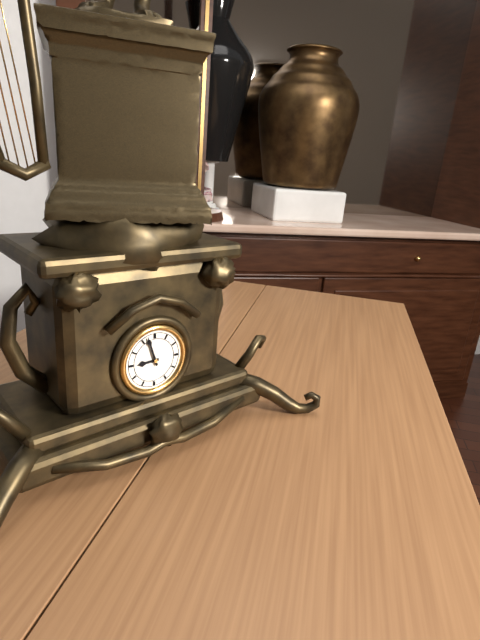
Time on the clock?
8:57
